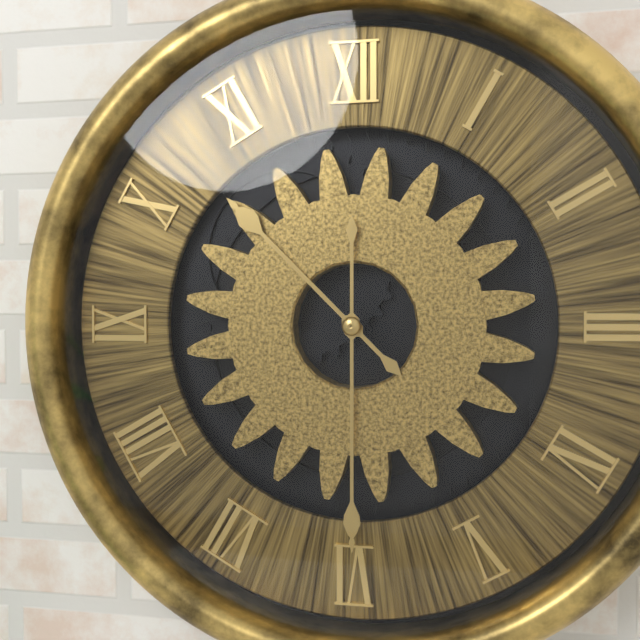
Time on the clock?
10:30
